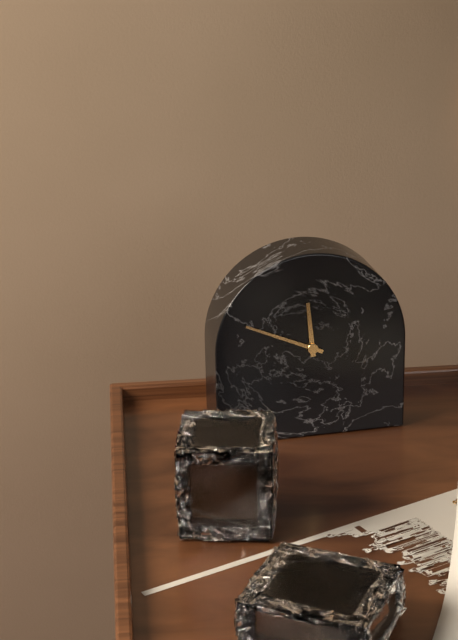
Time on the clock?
11:49
